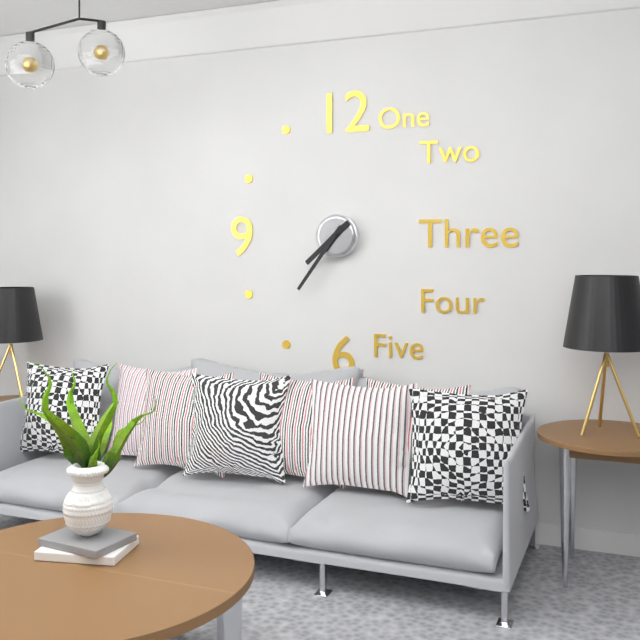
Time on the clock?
7:36
